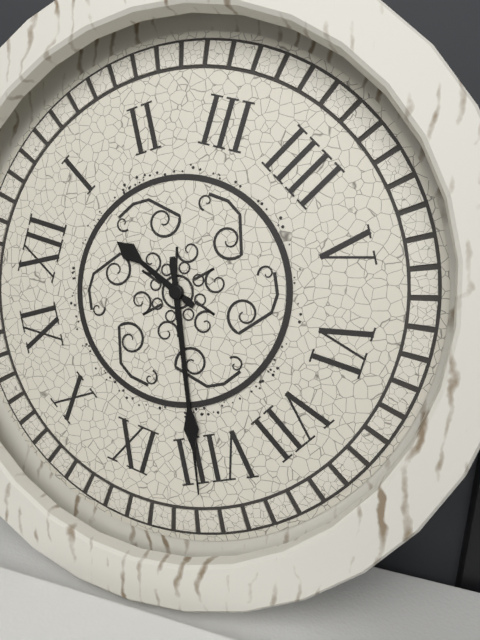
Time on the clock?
12:41
